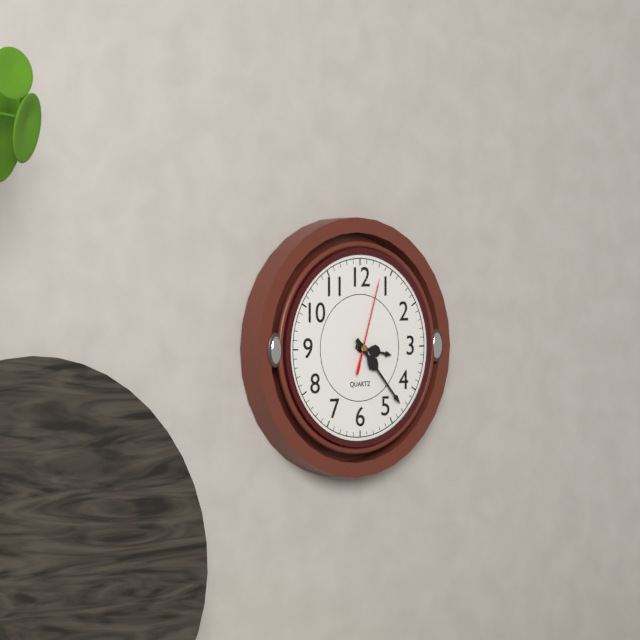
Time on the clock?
3:23:03
